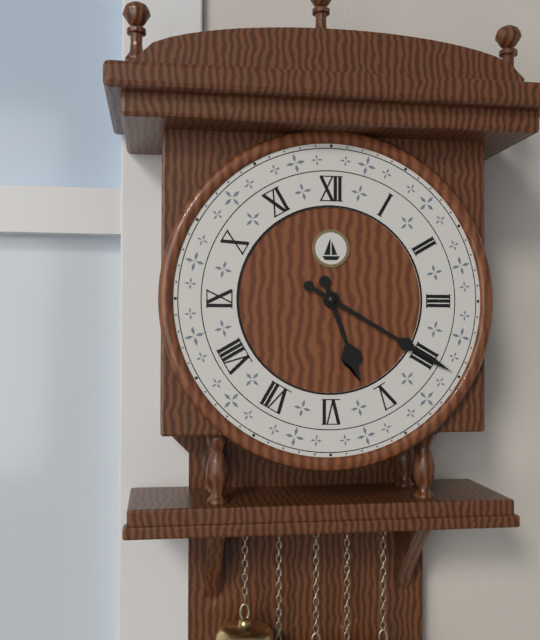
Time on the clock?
5:20
